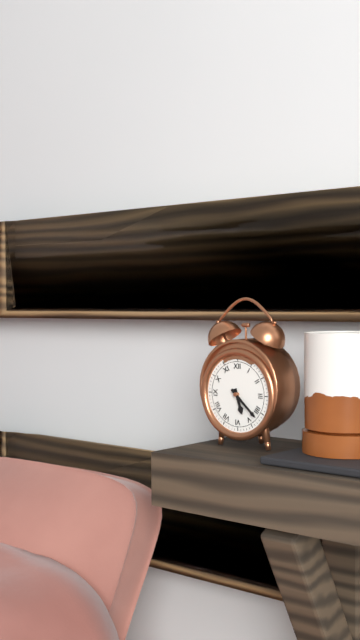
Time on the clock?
5:22
